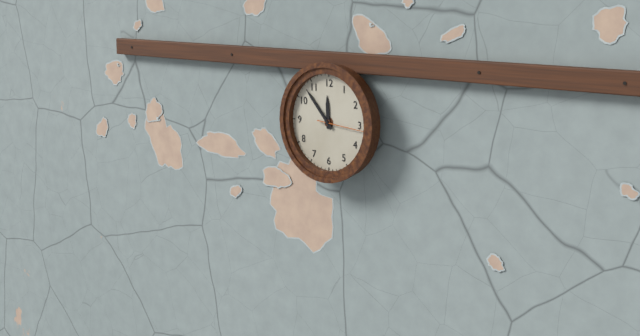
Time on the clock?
11:53
